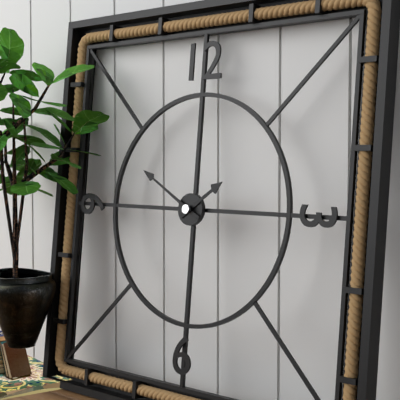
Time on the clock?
1:50
